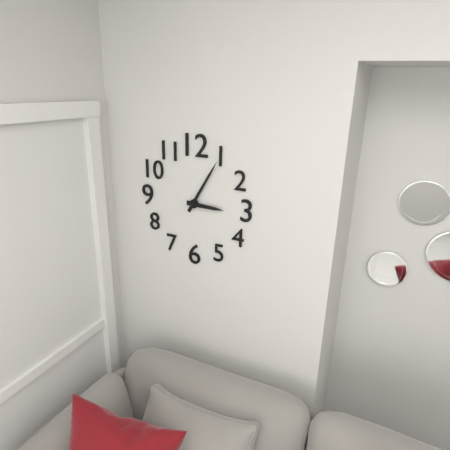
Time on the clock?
3:05
